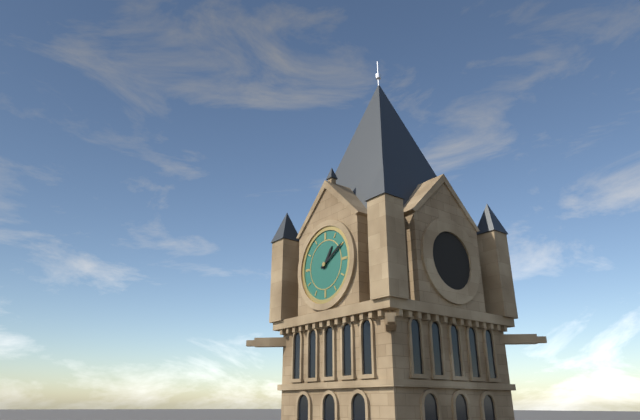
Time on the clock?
1:10
